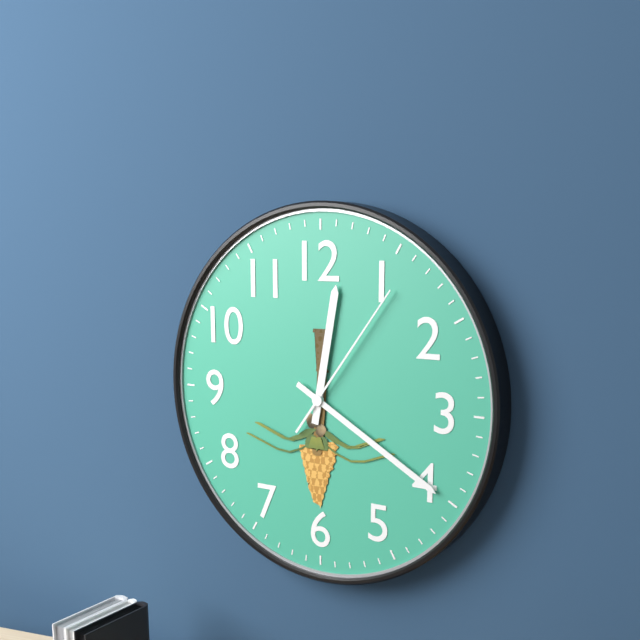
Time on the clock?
12:20:06
